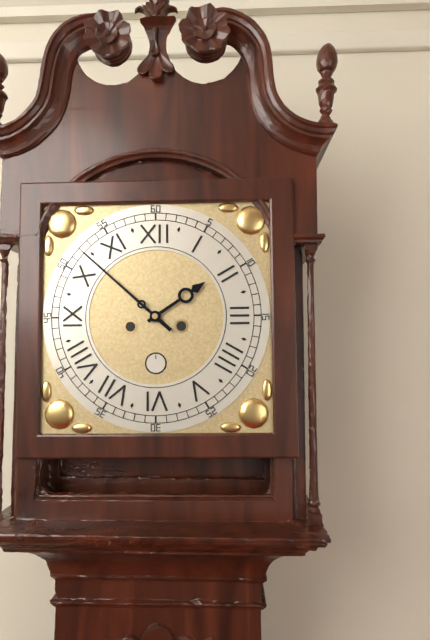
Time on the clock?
1:52
